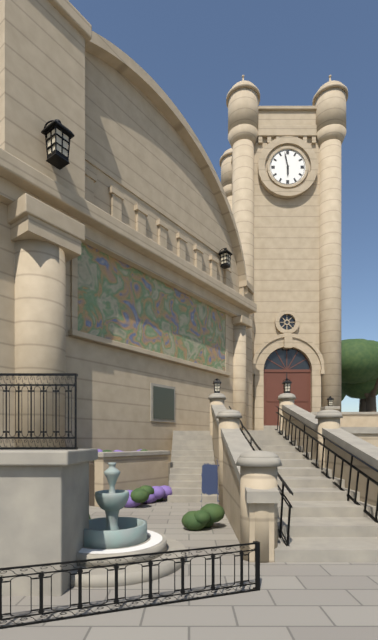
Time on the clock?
5:58
